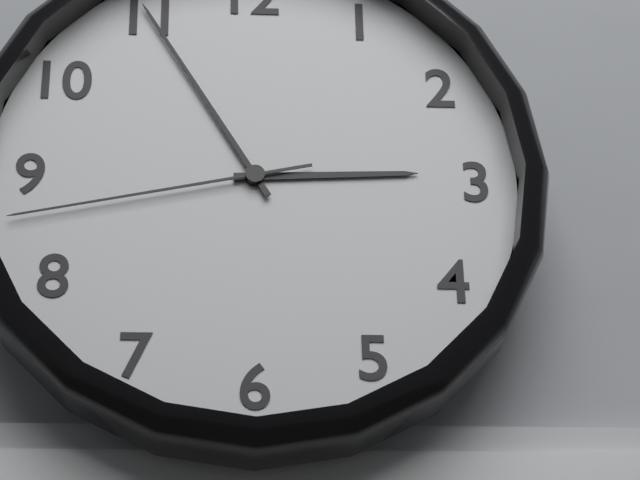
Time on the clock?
2:55:43
